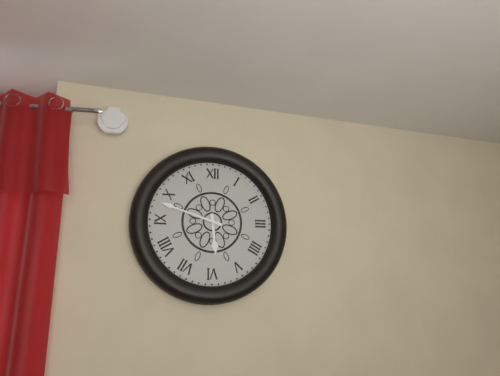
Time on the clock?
5:48
